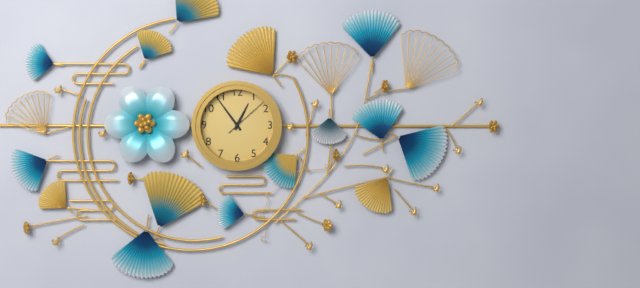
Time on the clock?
12:54
